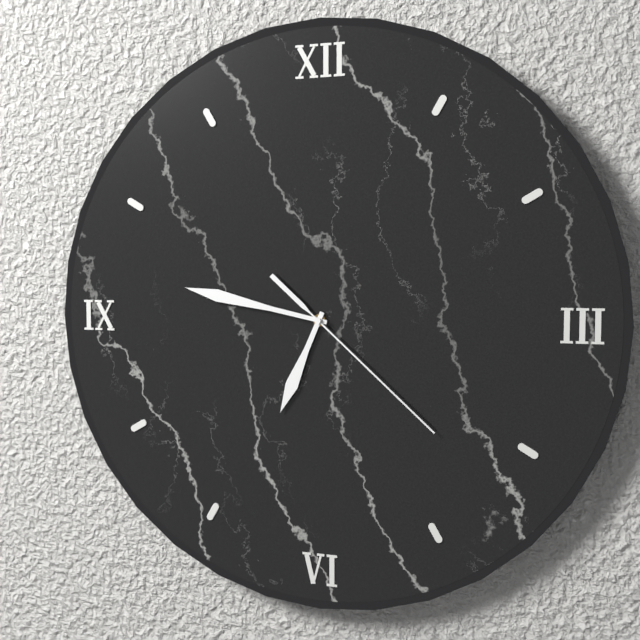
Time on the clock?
6:47:22
